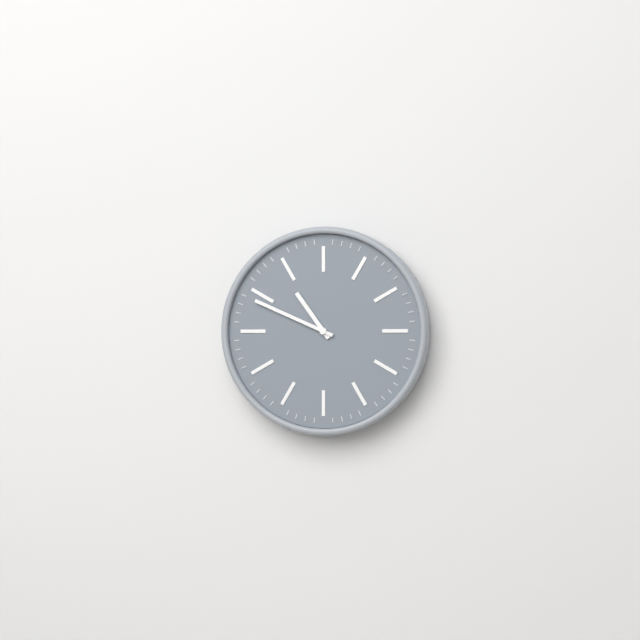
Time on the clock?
10:49
